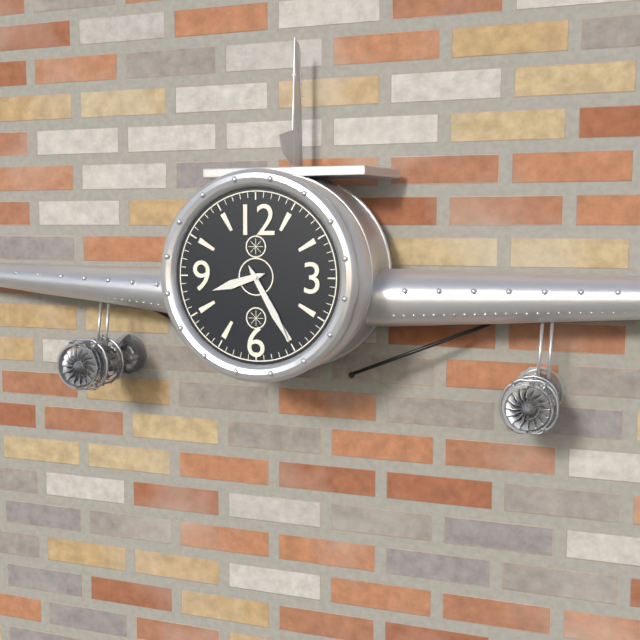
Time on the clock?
8:25
